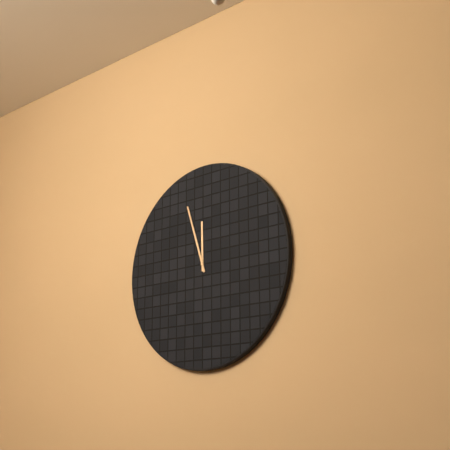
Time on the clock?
11:57
